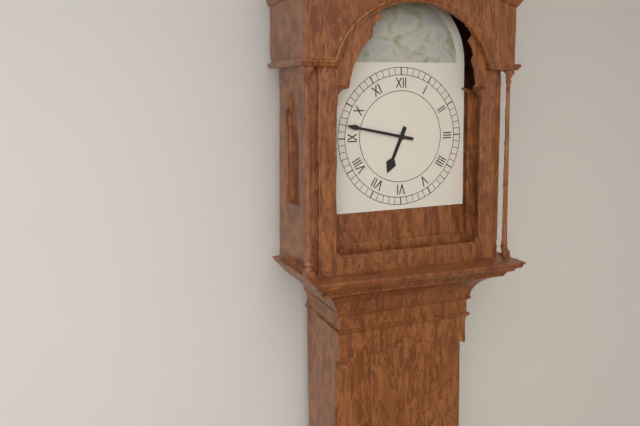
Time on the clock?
6:47
